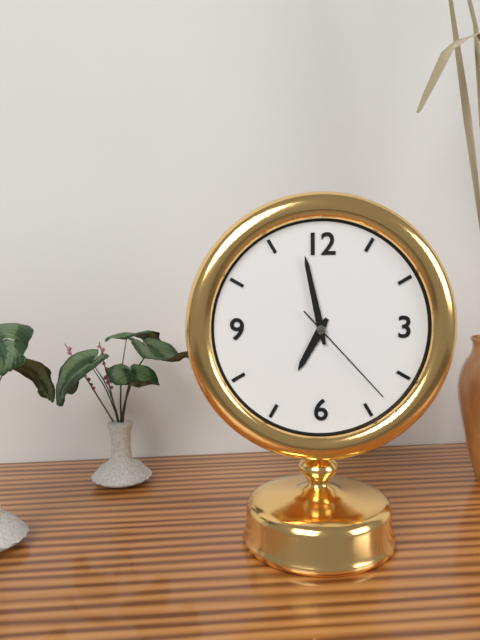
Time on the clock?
6:58:23
